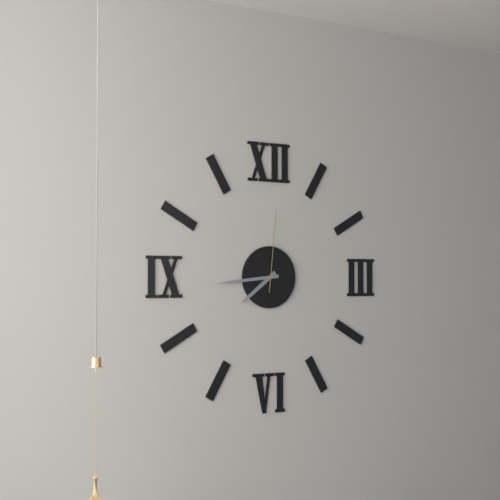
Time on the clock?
7:44:01
